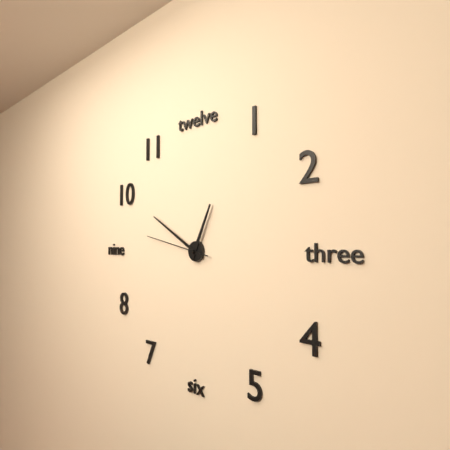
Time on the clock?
12:50:47
